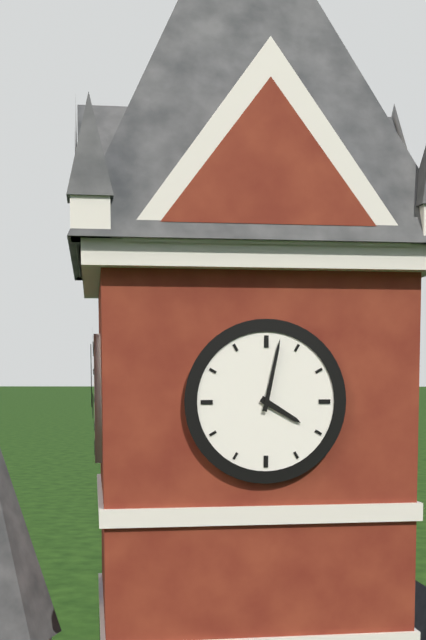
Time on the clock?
4:02
